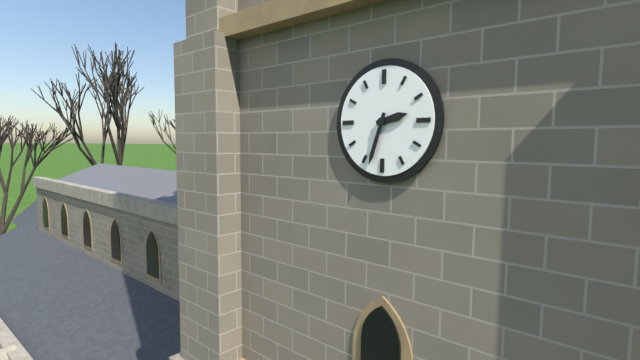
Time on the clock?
2:33
